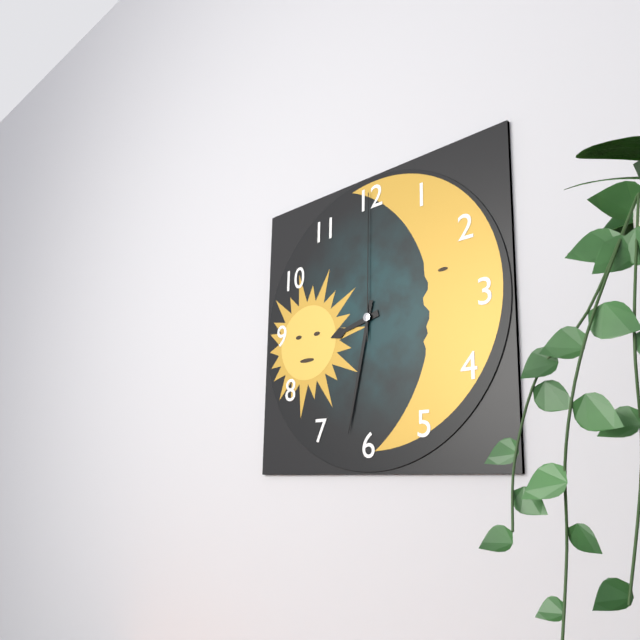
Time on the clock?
8:32:00
